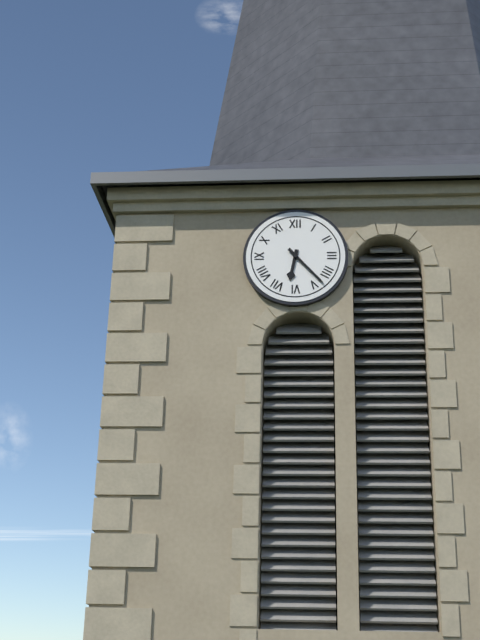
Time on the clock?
6:23
